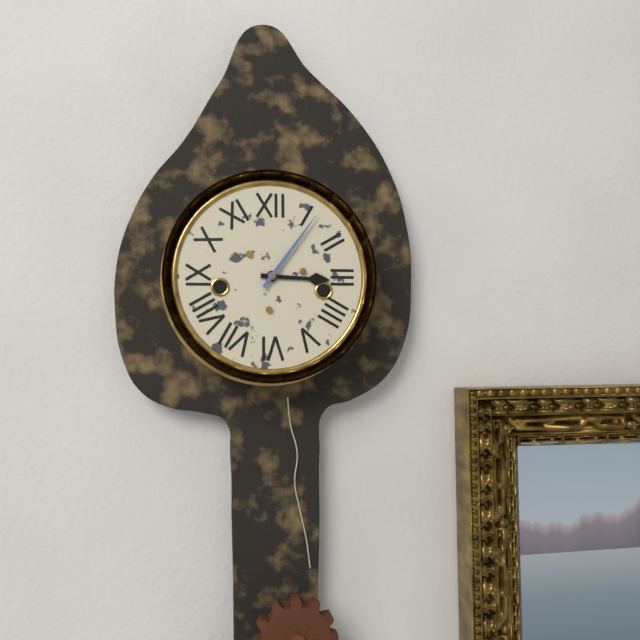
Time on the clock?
3:06
